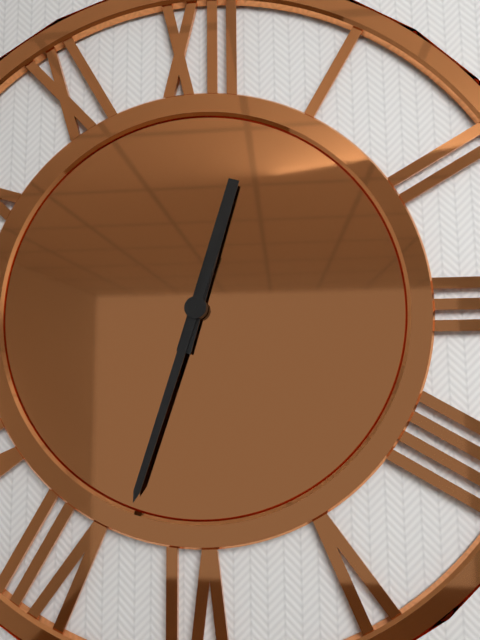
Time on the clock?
12:33
